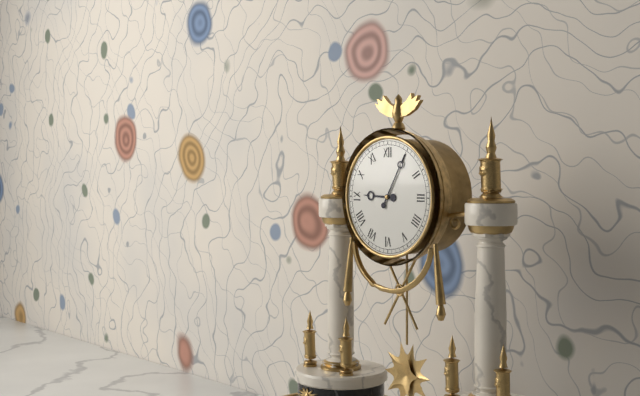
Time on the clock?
9:05
